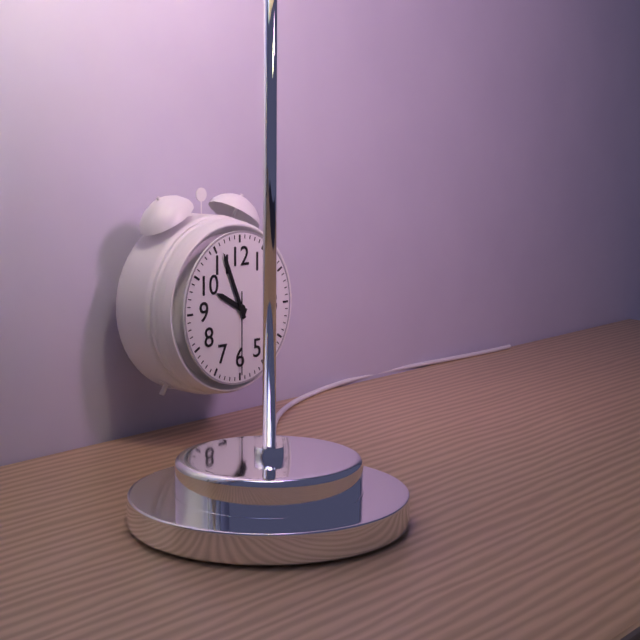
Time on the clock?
9:56:30
